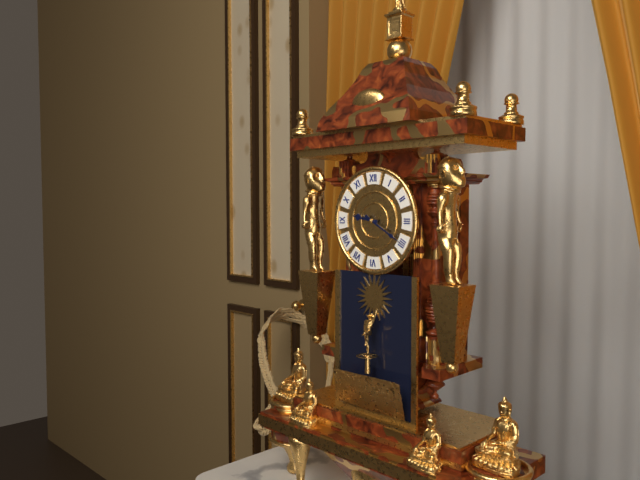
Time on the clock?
9:20
